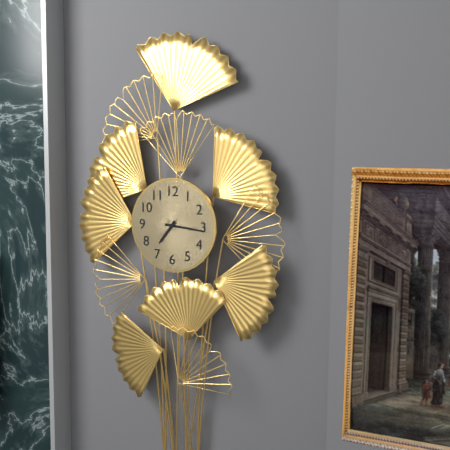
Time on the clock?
7:16
